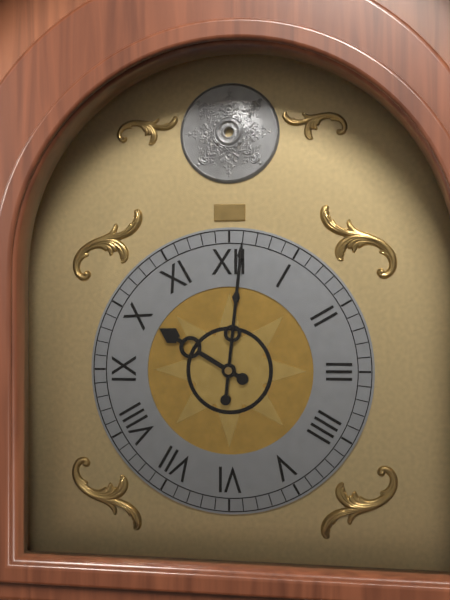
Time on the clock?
10:01
